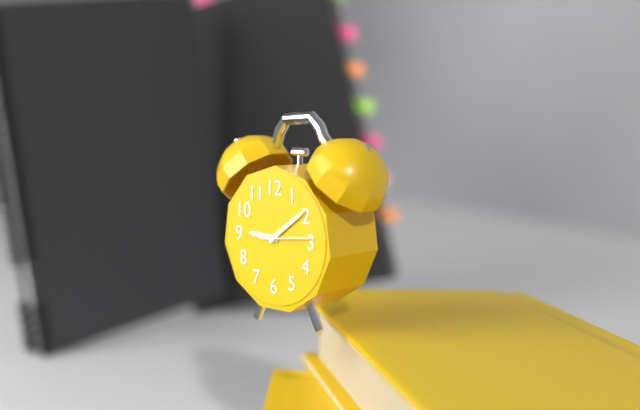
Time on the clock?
9:09:14
